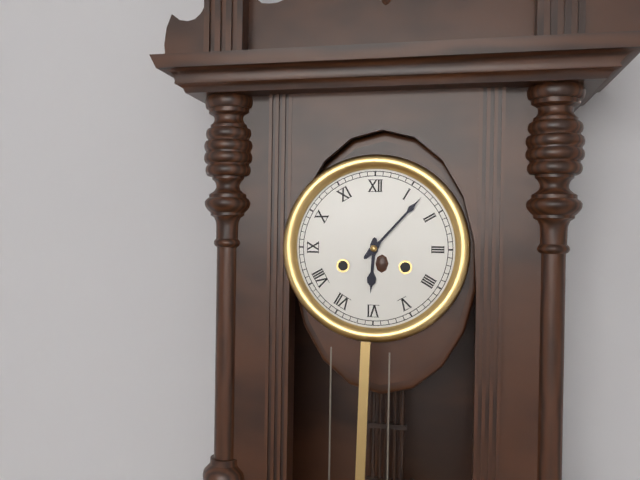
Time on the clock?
6:07
